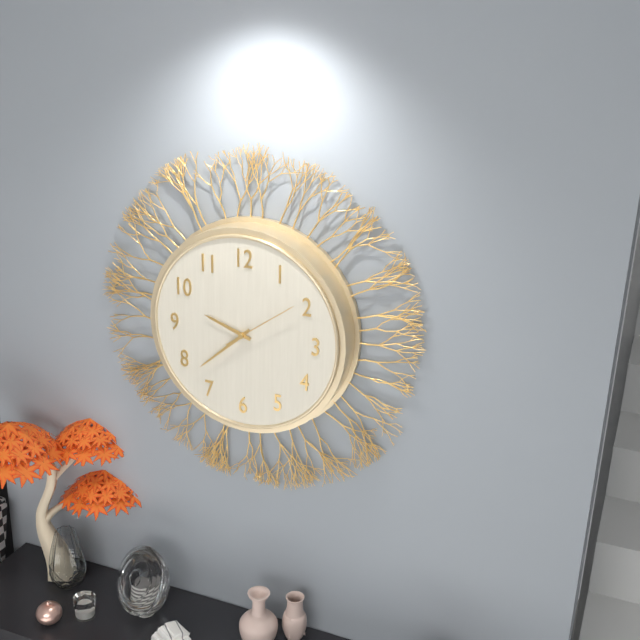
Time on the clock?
9:38:09
